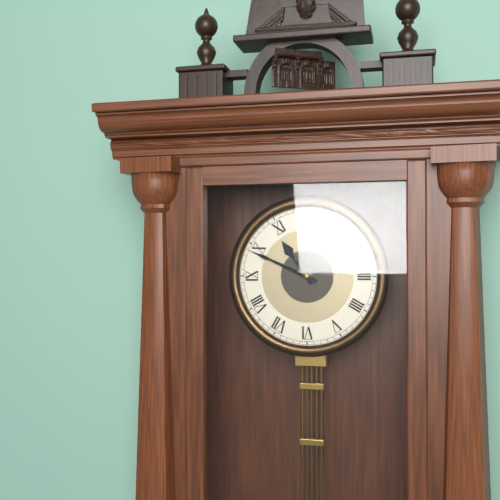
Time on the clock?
10:49
